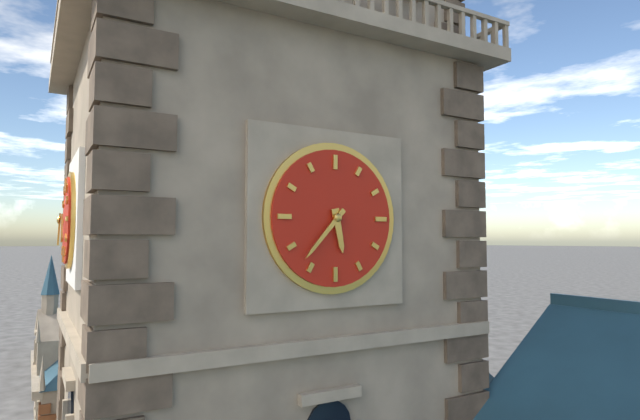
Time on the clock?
5:37
